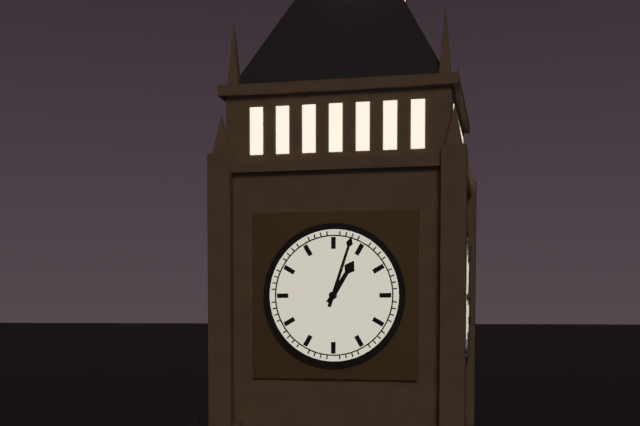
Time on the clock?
1:03
